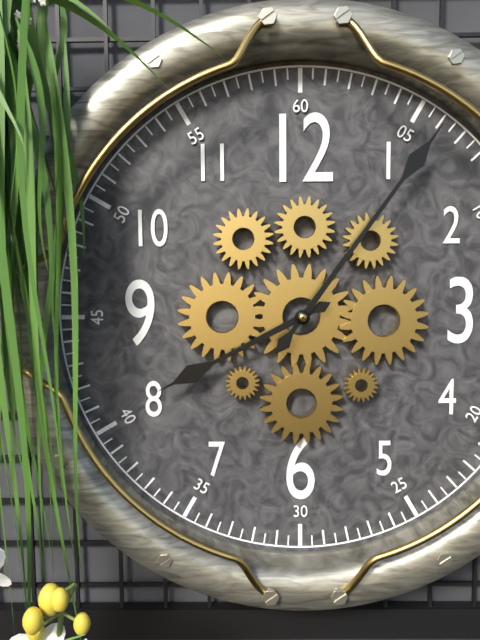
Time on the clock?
8:06
